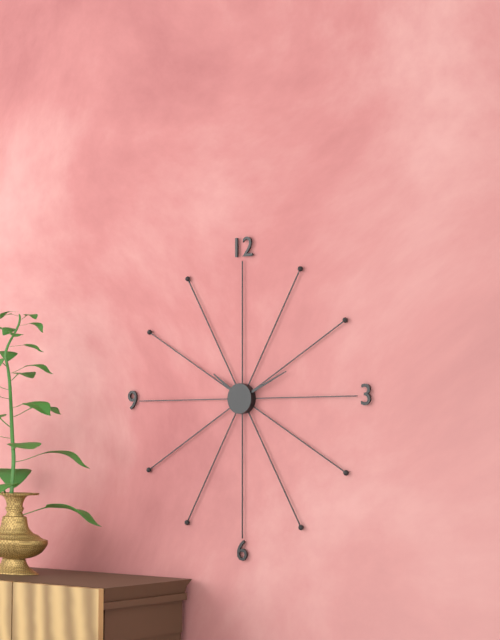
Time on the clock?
10:11
